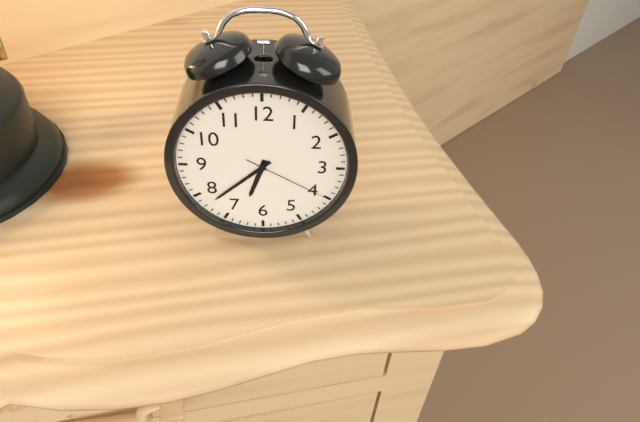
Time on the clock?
6:38:20
